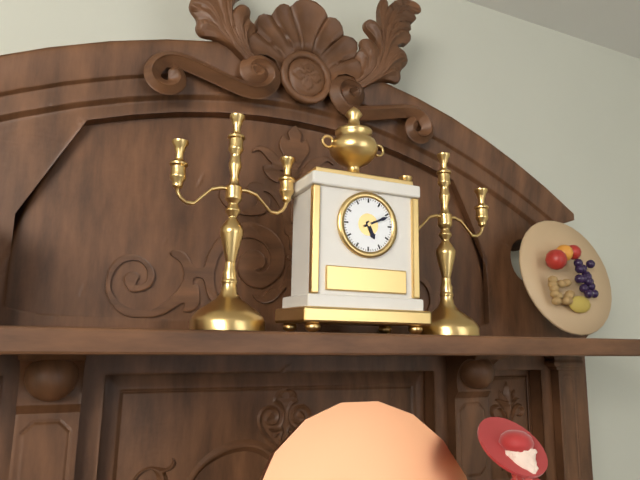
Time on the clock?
5:11
